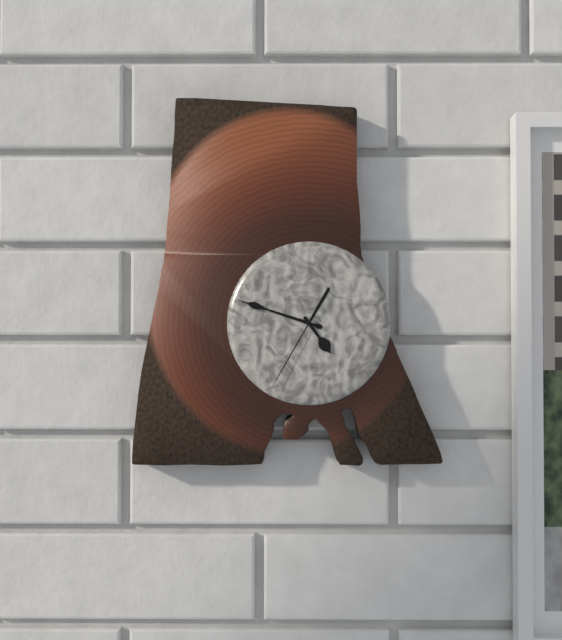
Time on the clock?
4:48:35
